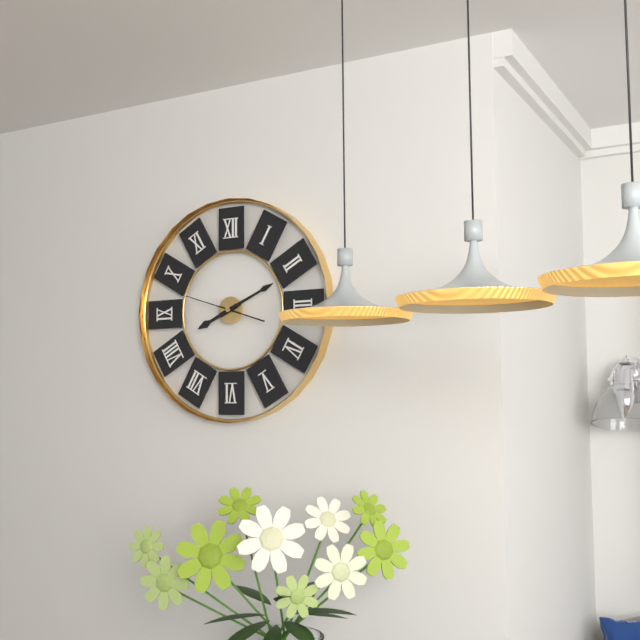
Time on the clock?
8:11:48
